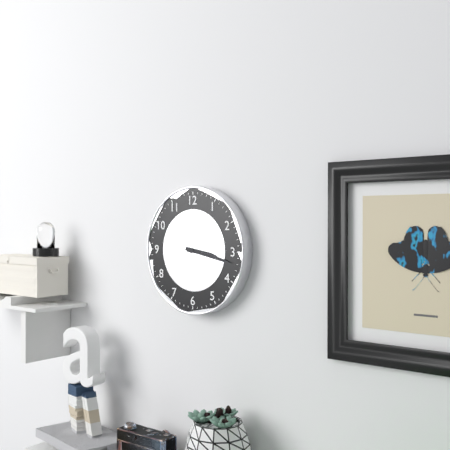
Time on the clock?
3:17
